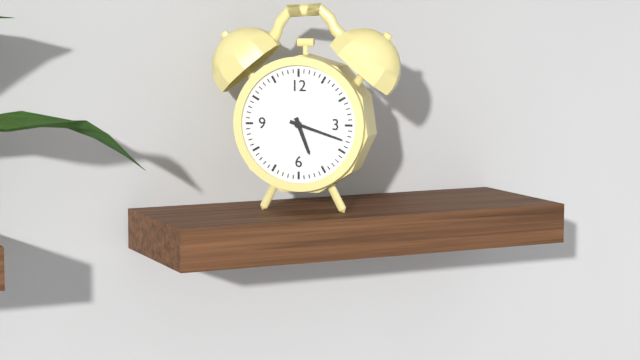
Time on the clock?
5:18
